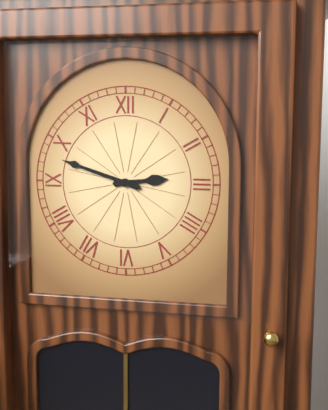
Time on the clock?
2:48
